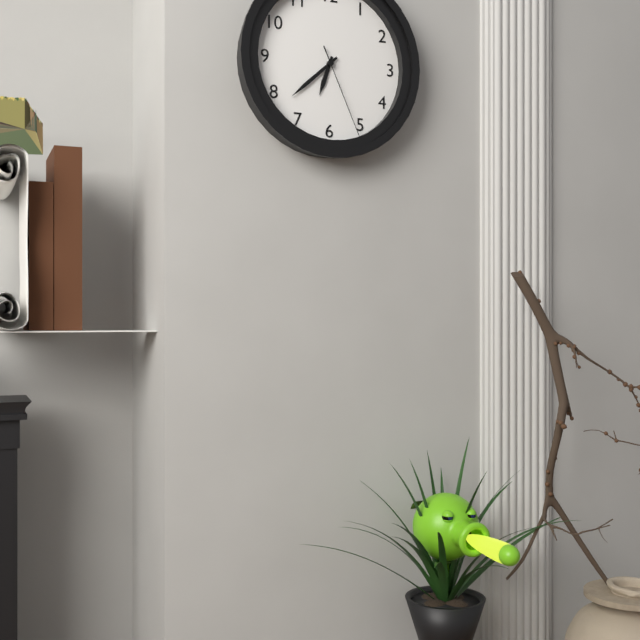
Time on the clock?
6:38:26
